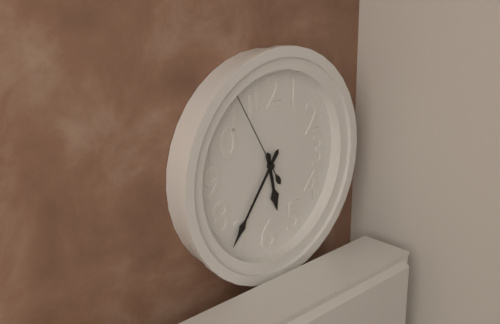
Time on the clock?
5:36:55
